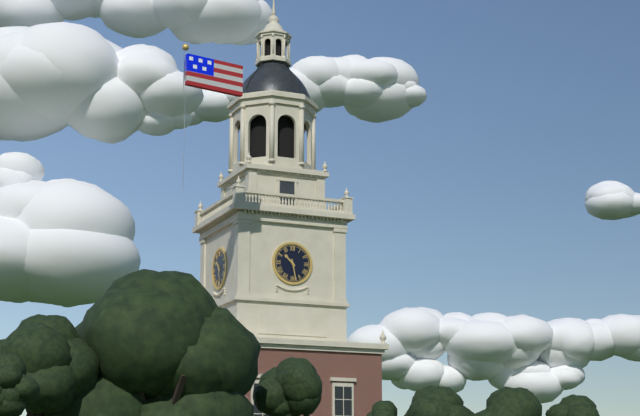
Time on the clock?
10:28
